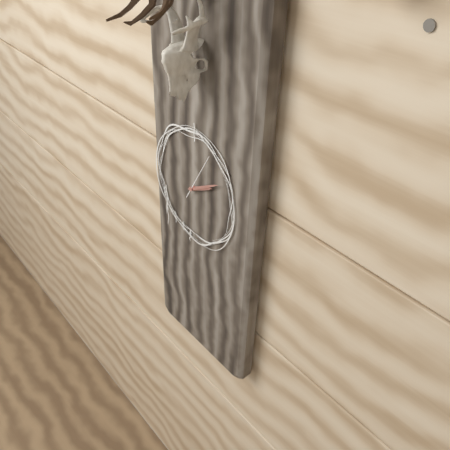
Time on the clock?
2:10
